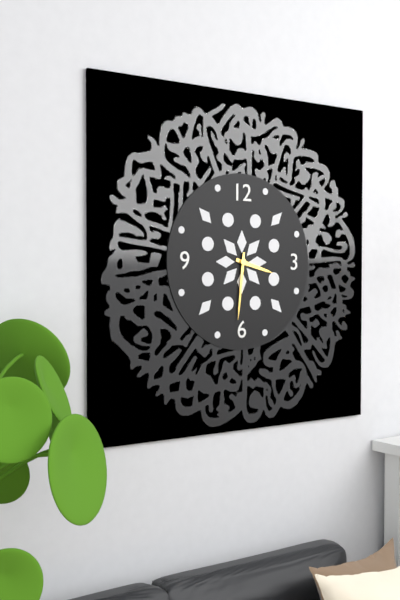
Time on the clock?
3:31
